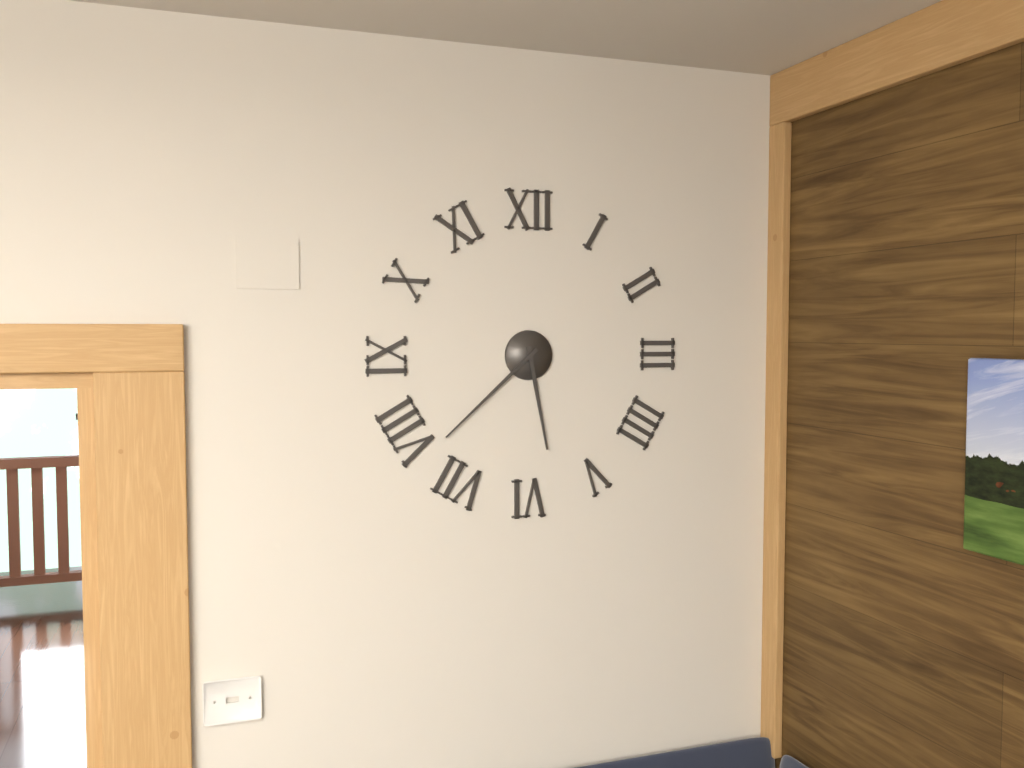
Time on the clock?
5:38
